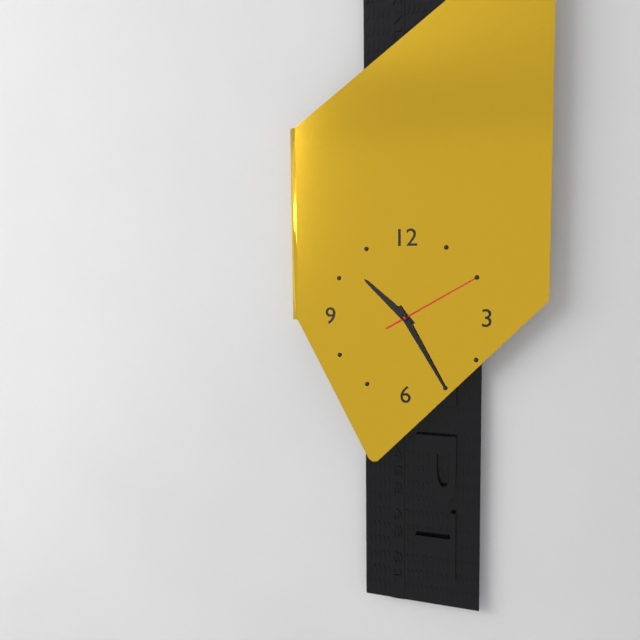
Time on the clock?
10:25:10
